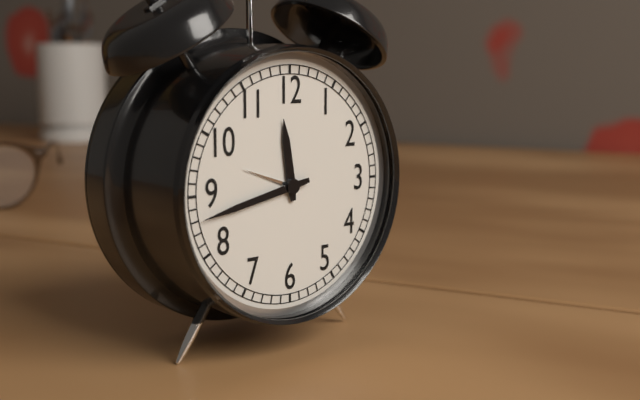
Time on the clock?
11:43
